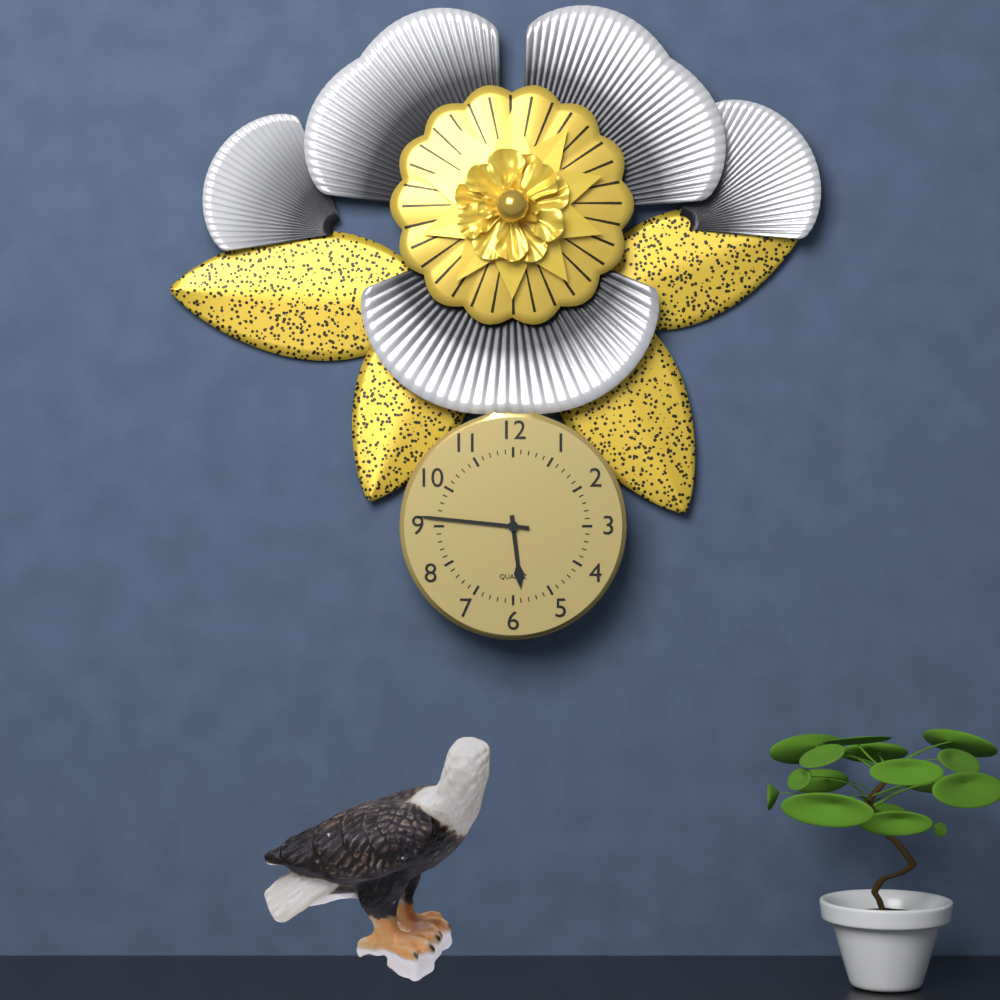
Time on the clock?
5:46
